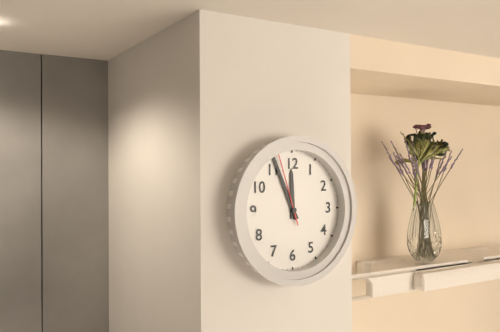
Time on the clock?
11:56:57
